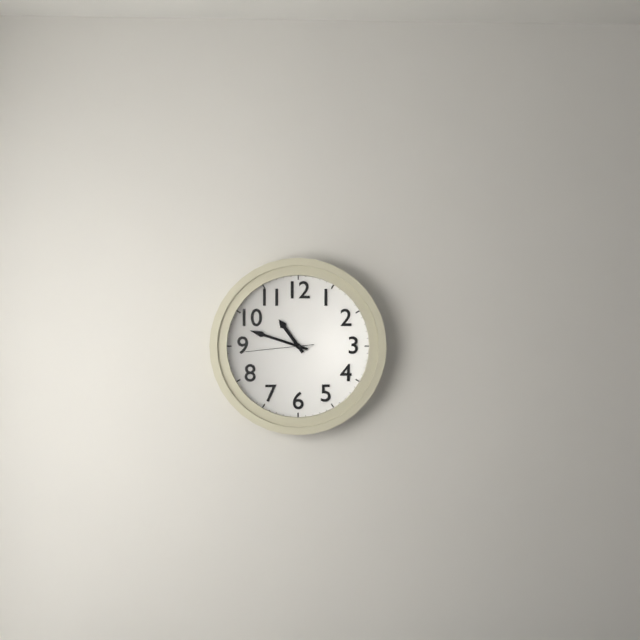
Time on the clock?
10:48:44
